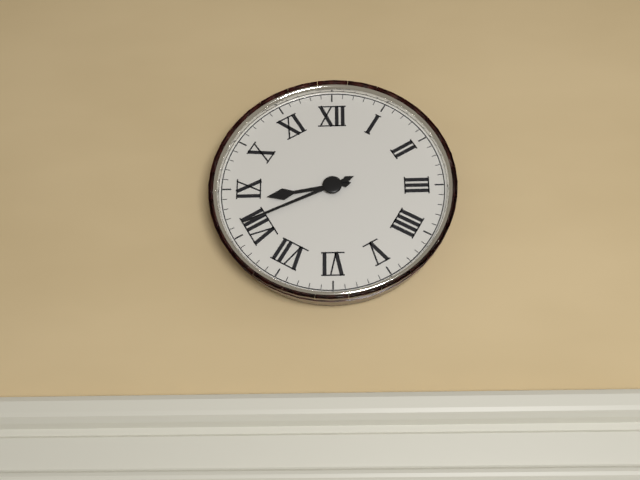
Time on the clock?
8:41
